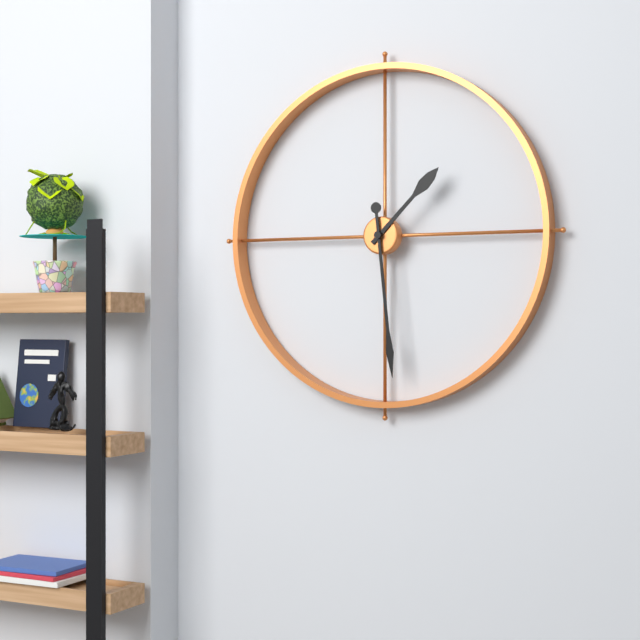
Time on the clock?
1:29
